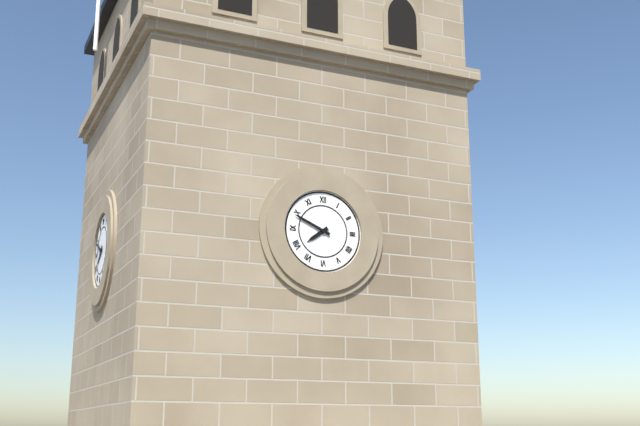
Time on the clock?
7:49
